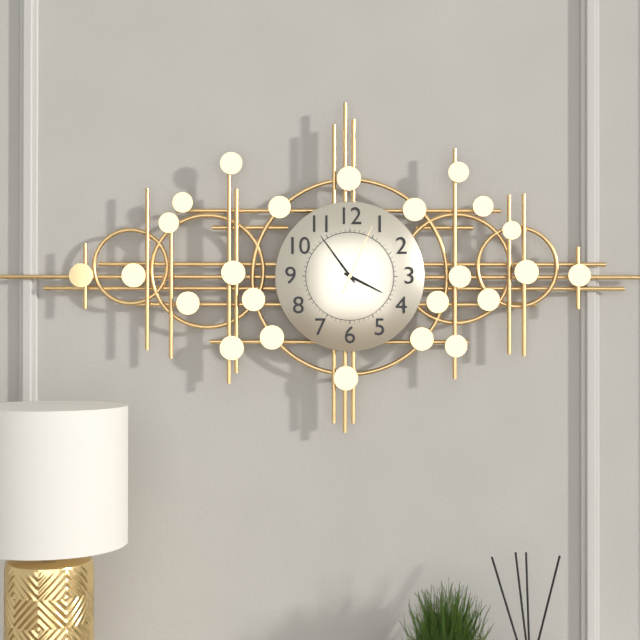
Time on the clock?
3:54:04
